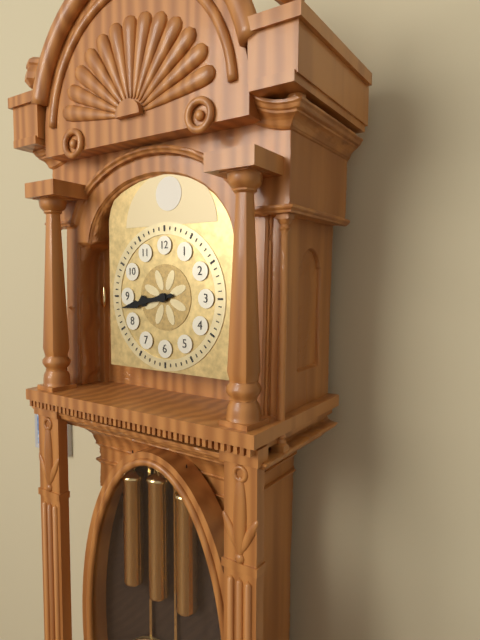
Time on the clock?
8:43
